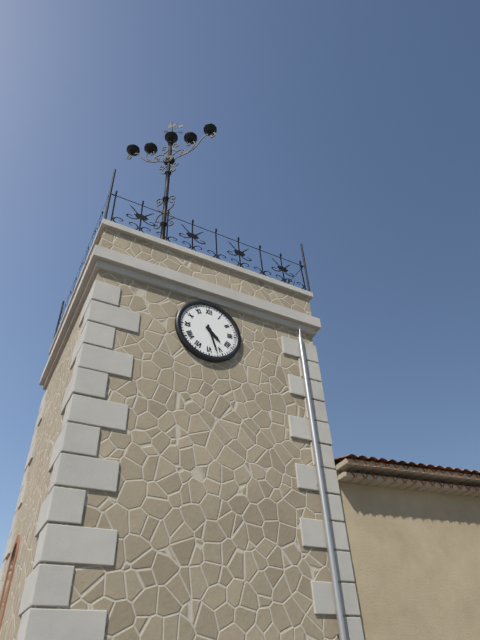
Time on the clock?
4:27
